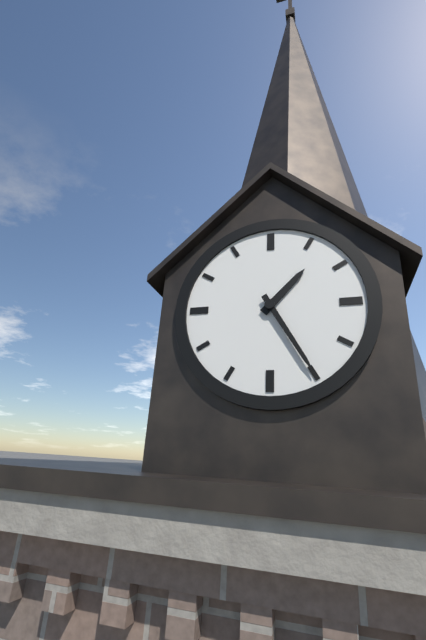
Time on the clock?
1:25
